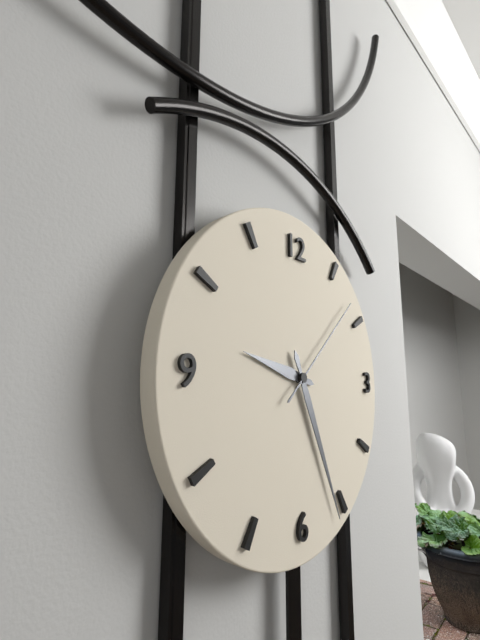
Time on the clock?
9:26:08
